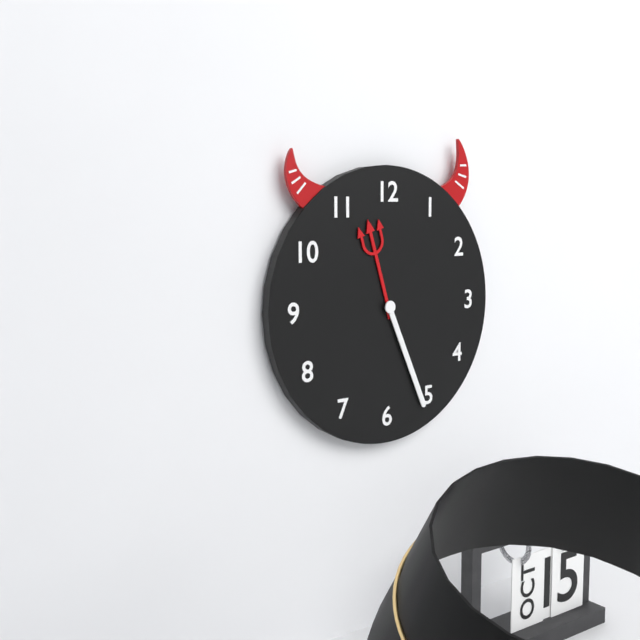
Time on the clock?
11:26
